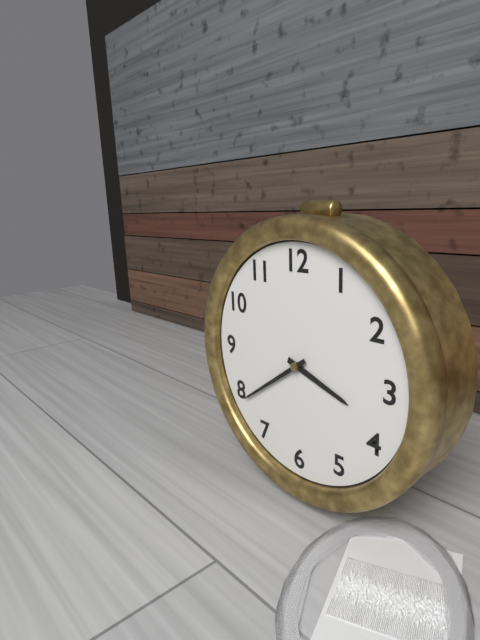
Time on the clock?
3:39
